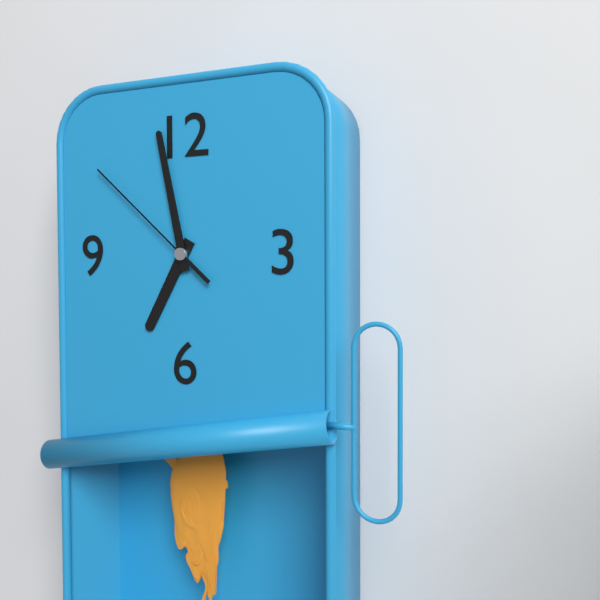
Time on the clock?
6:58:52
